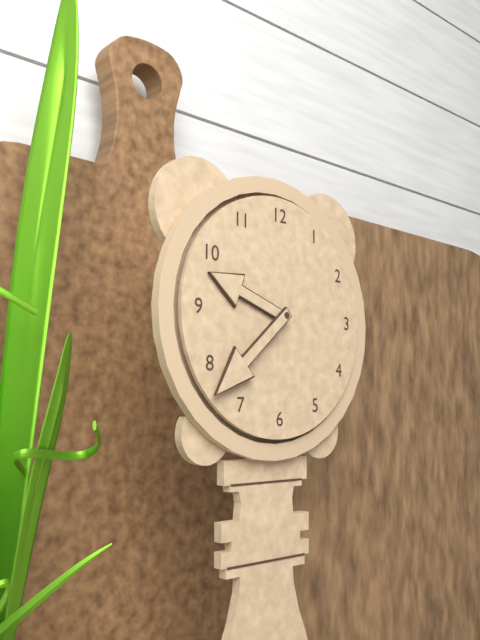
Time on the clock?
9:38
